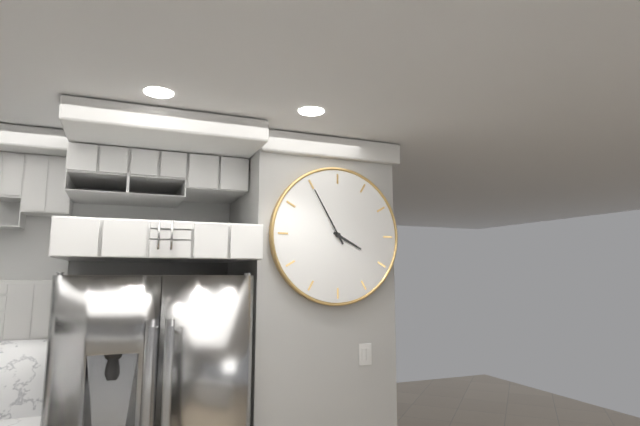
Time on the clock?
3:55
